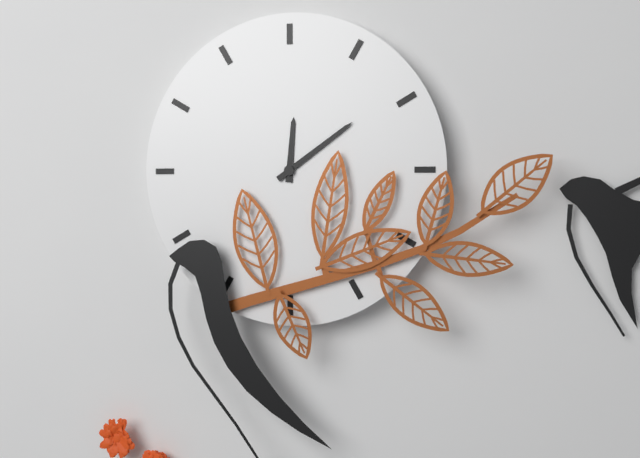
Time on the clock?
12:09
